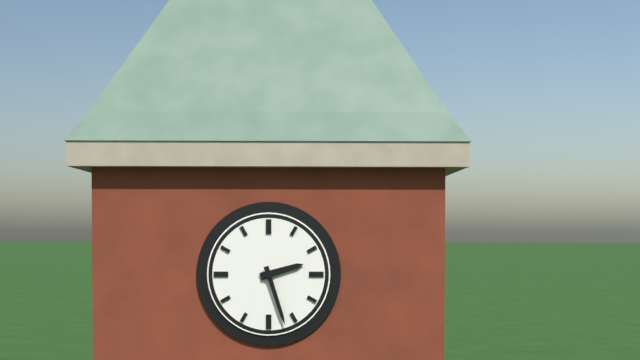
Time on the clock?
2:27
